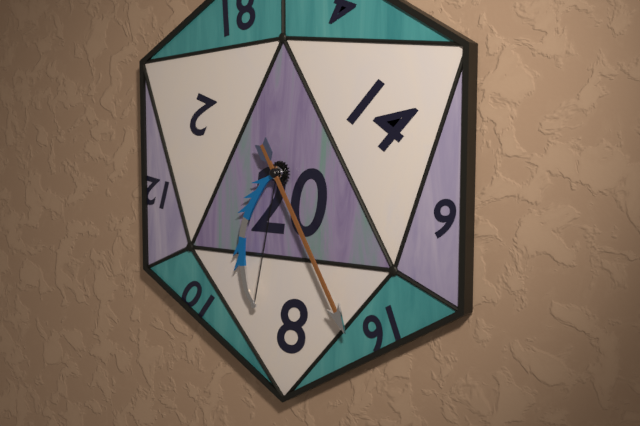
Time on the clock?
6:25
